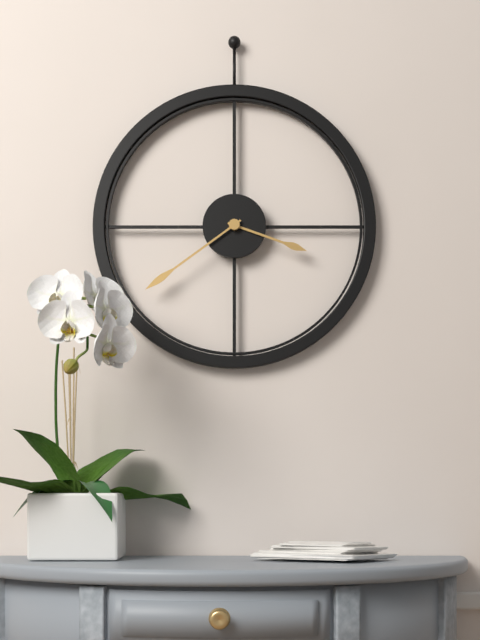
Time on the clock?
3:39
